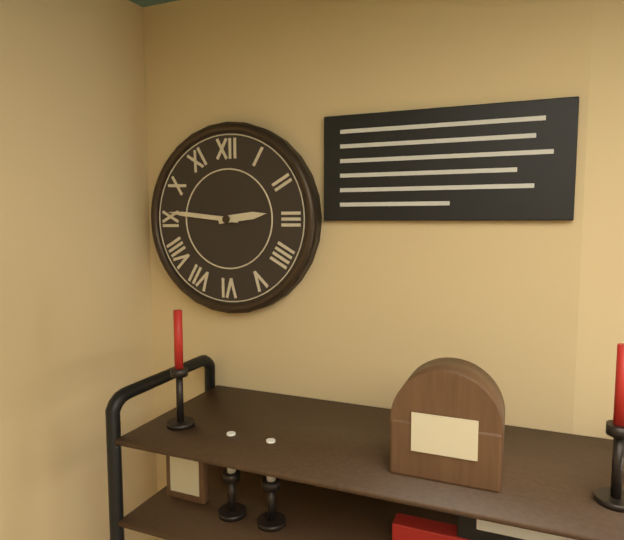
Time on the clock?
2:46
